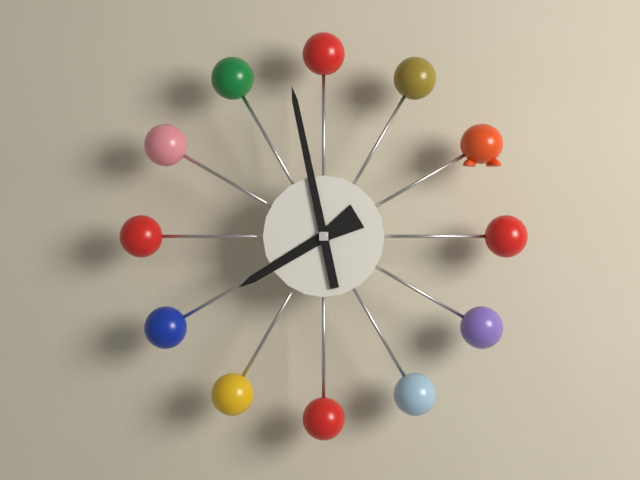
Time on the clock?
7:58
